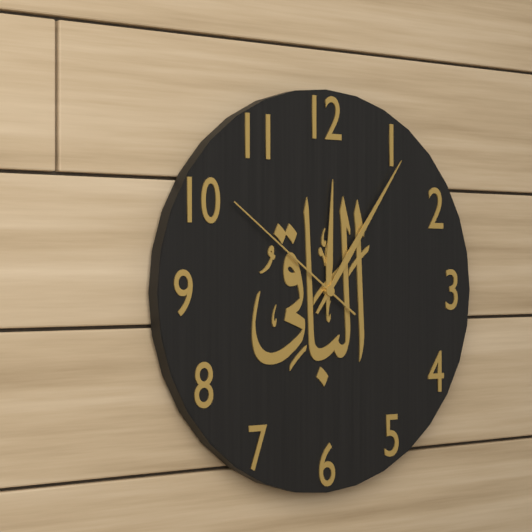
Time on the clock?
12:06:51
